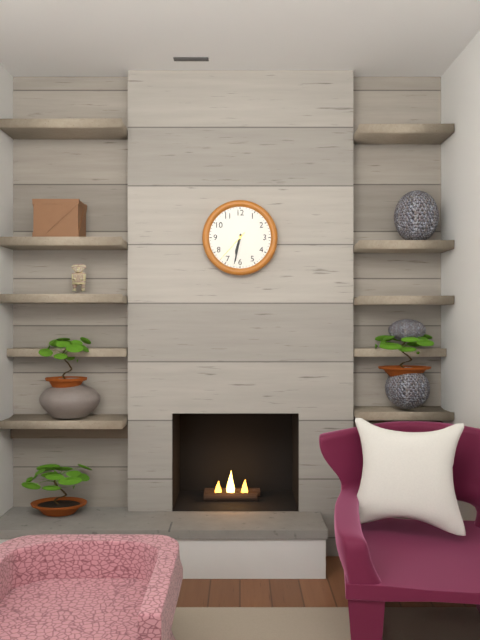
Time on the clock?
6:32
